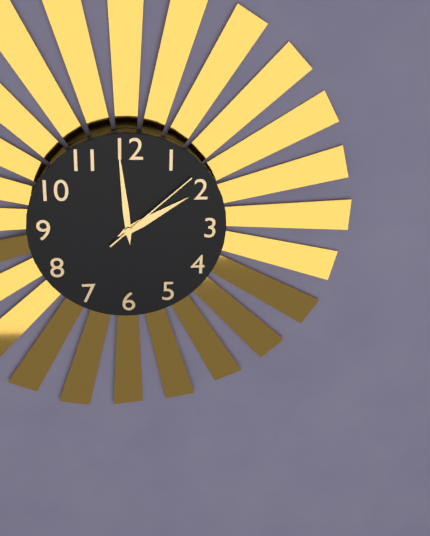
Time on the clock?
1:59:08
